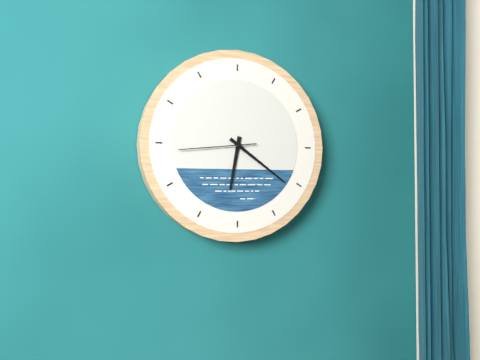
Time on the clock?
6:21:44
